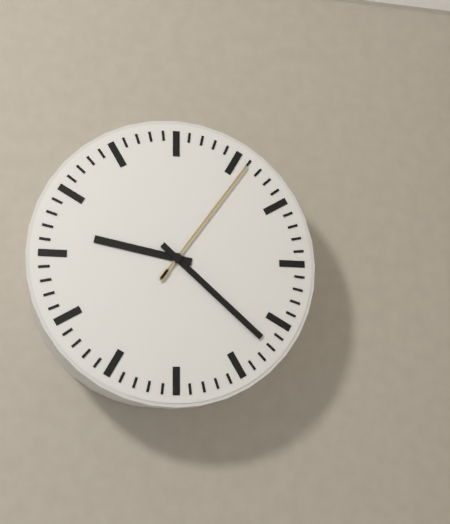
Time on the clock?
9:22:06
